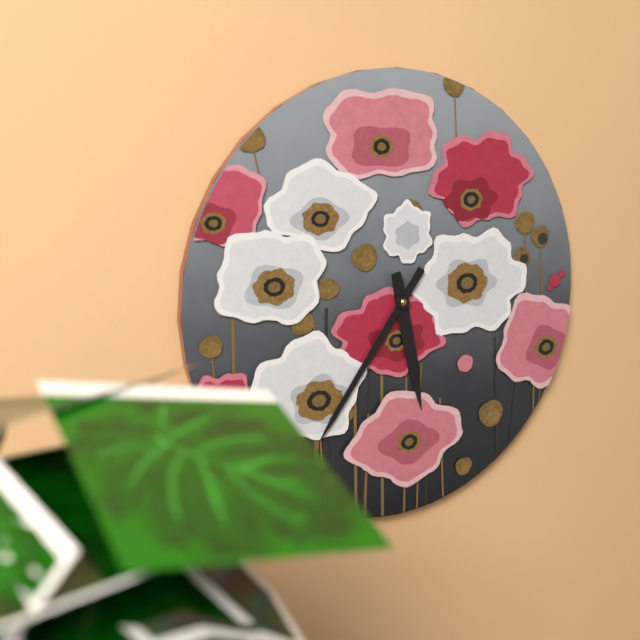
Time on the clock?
5:36
